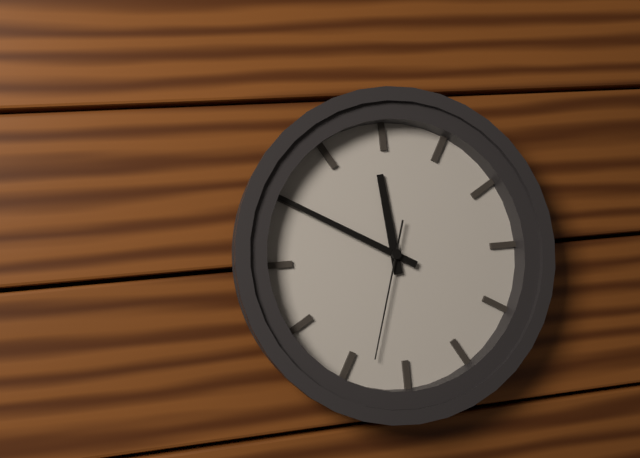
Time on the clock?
11:50:33
